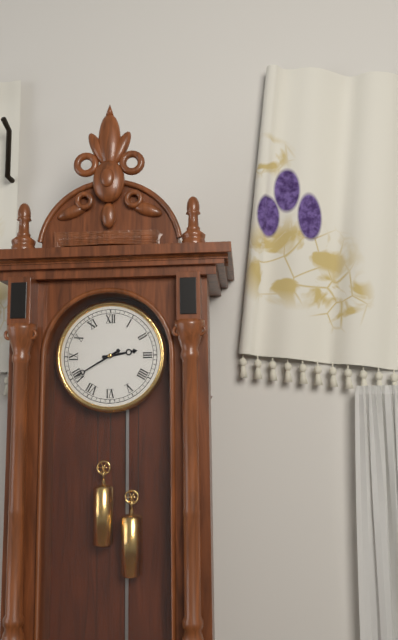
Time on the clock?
2:40
